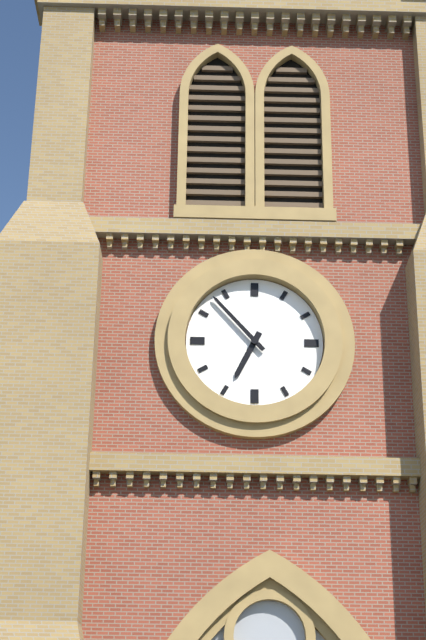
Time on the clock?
6:53
